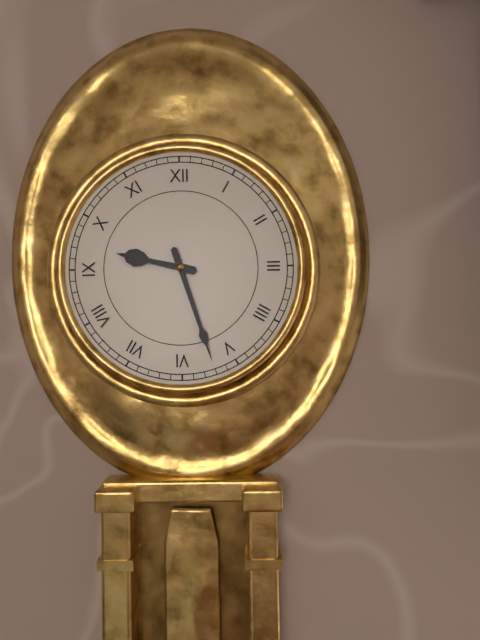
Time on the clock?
9:27
